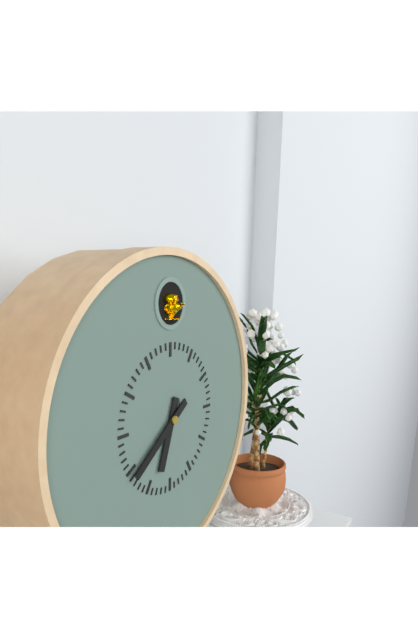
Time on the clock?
6:39
